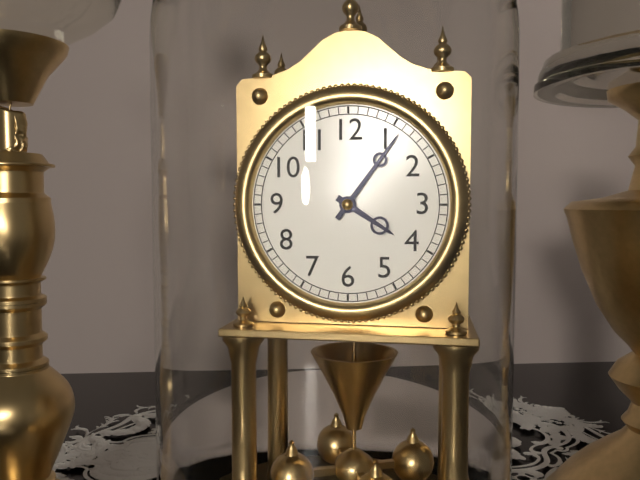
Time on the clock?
4:06
